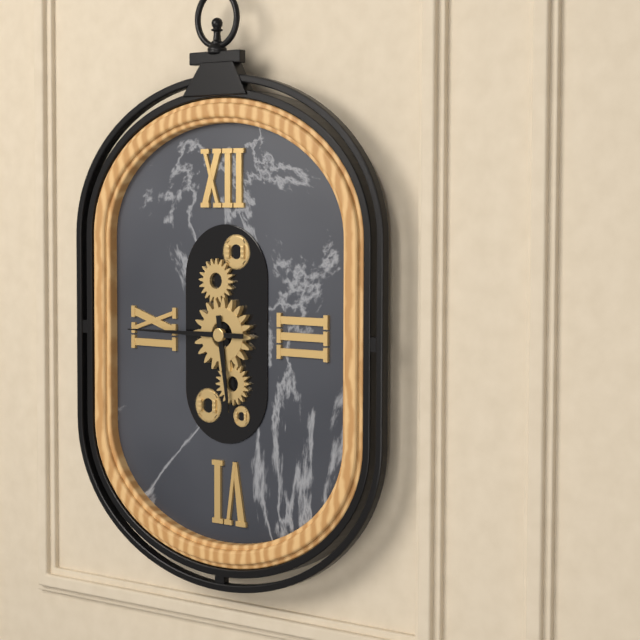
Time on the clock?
5:45
